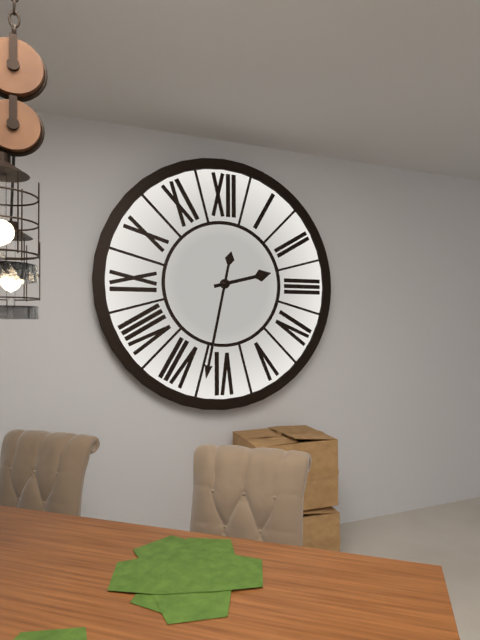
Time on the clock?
2:32
